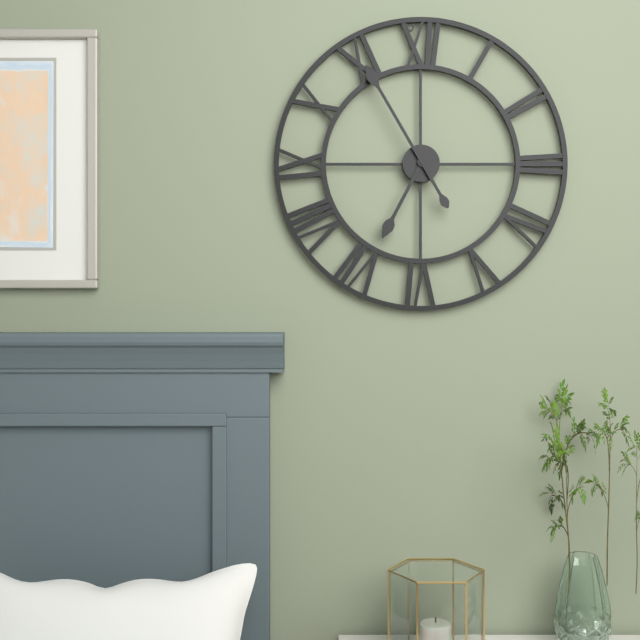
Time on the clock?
6:55
